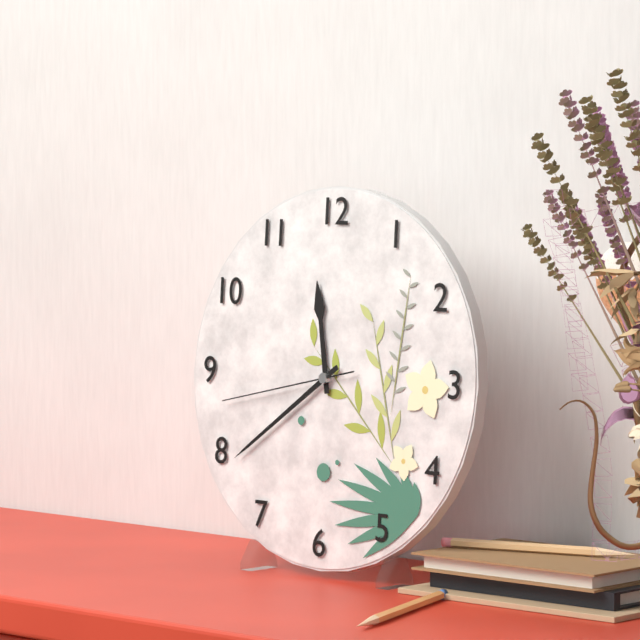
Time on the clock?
11:39:43
